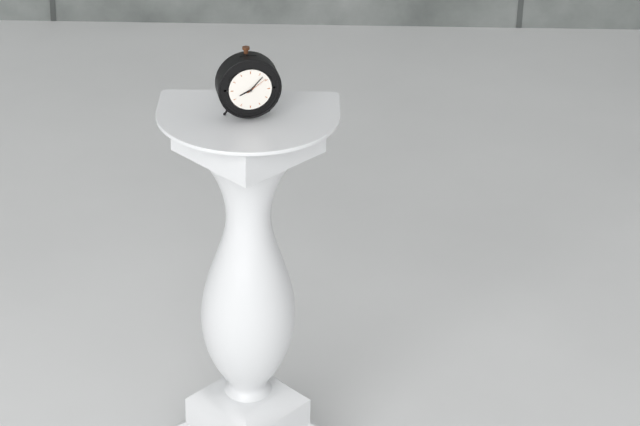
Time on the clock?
8:07
